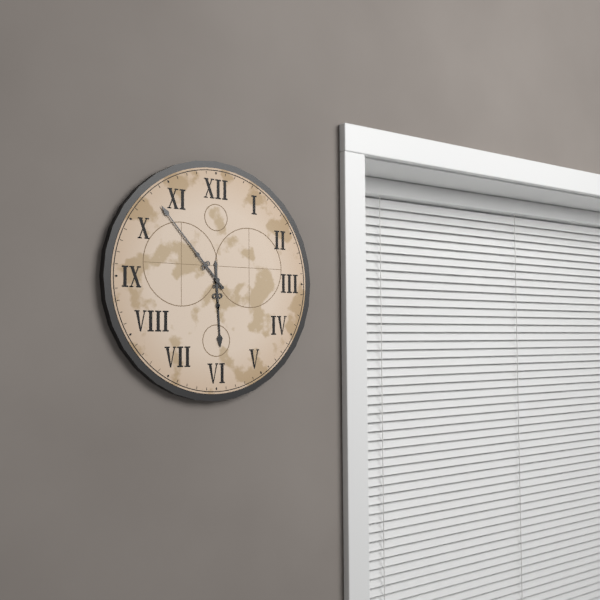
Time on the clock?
5:53
